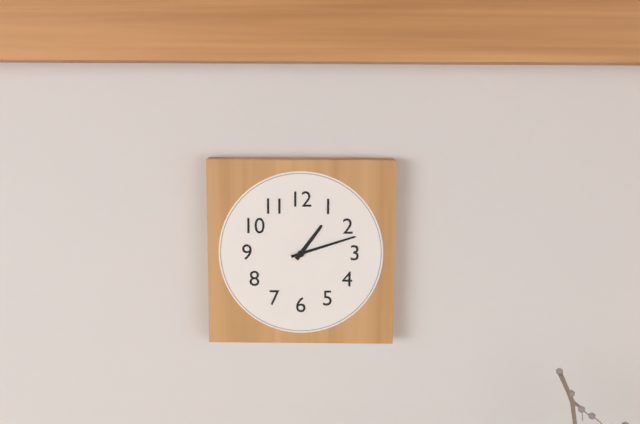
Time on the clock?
1:12
